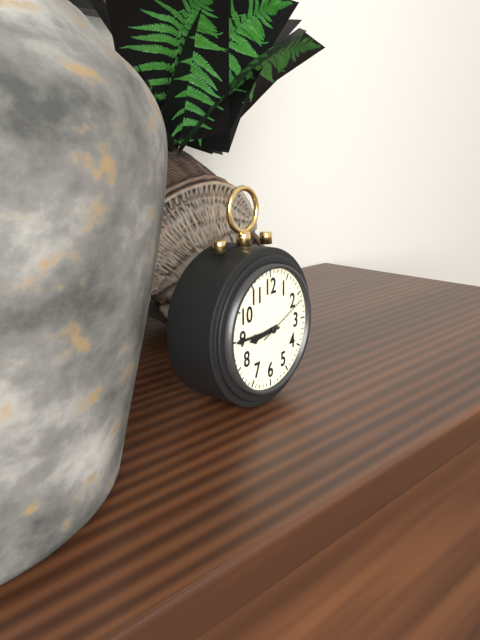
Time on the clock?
8:45:11
